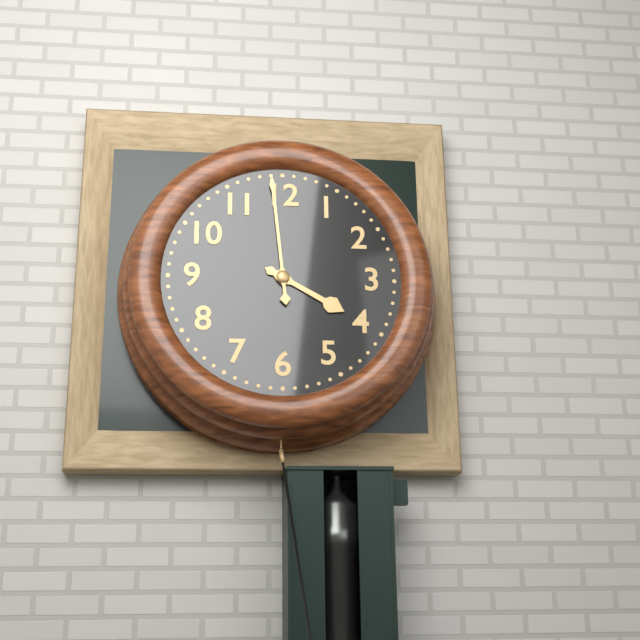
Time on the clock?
3:59
